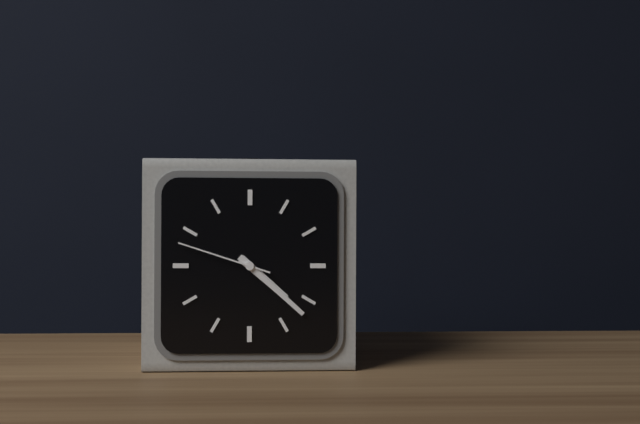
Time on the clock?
4:22:48
